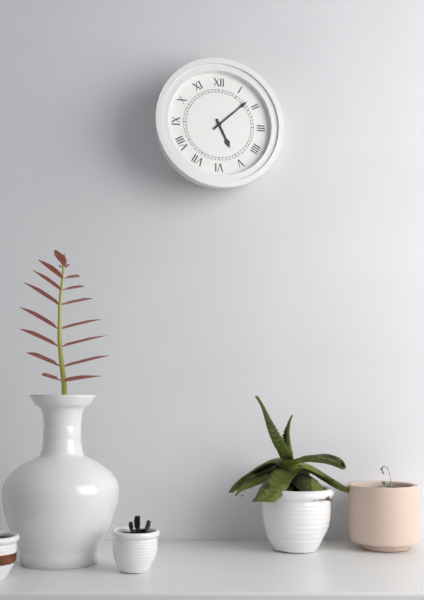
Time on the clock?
5:08
